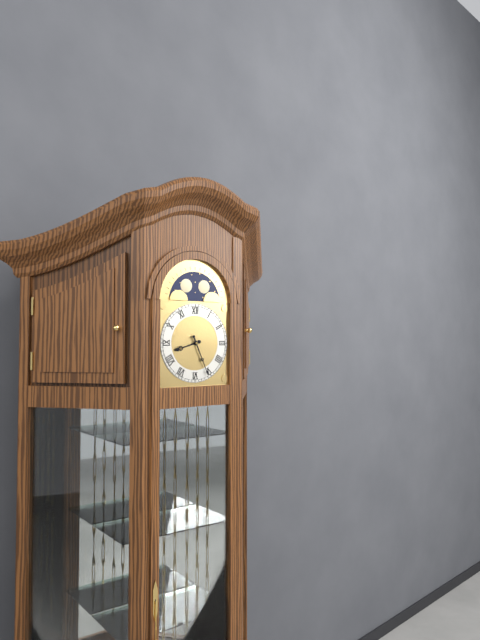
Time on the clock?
8:26
